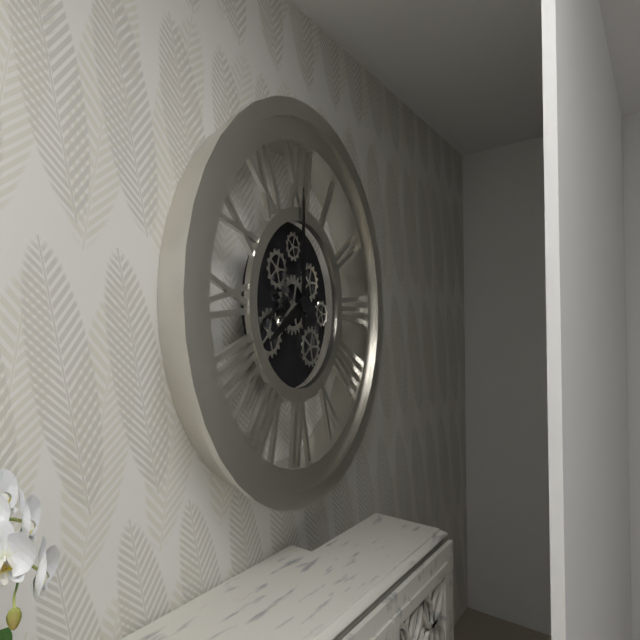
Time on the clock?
8:00
